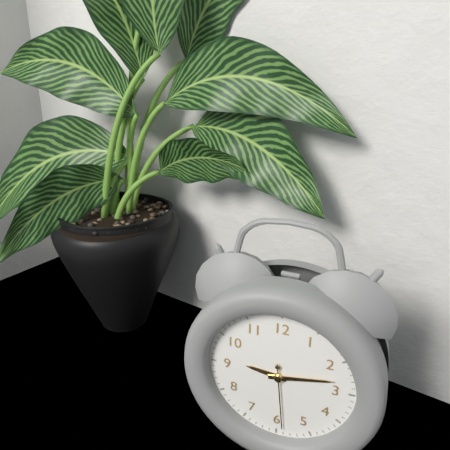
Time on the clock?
9:13:29
